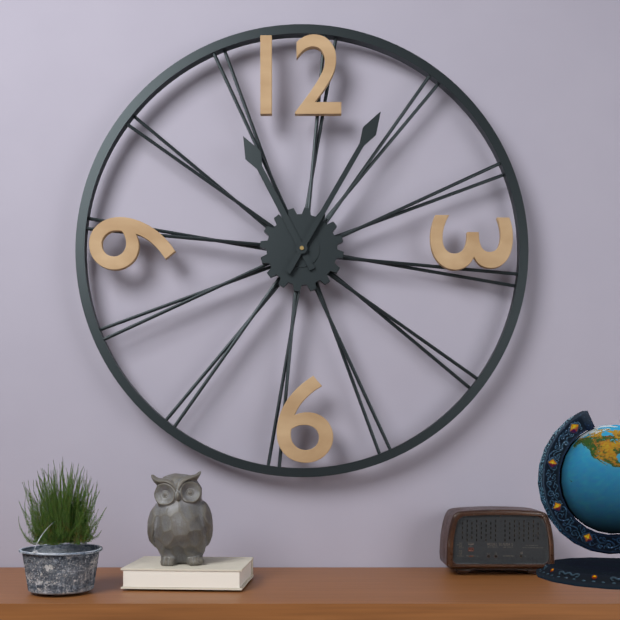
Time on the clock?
11:05
